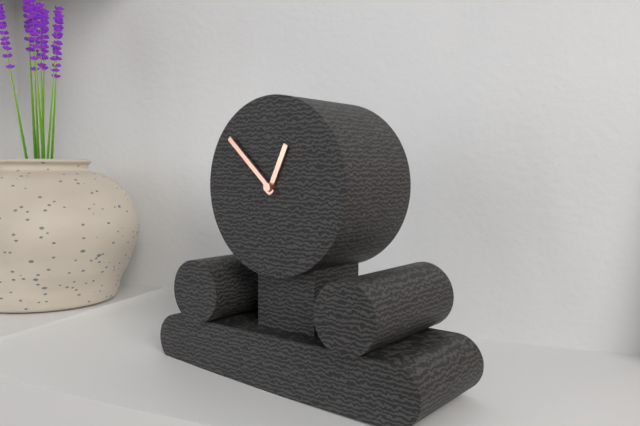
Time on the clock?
12:52
